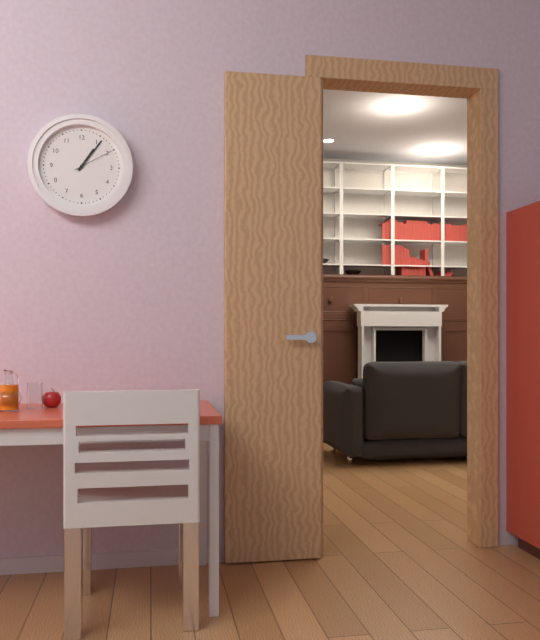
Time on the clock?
1:06
